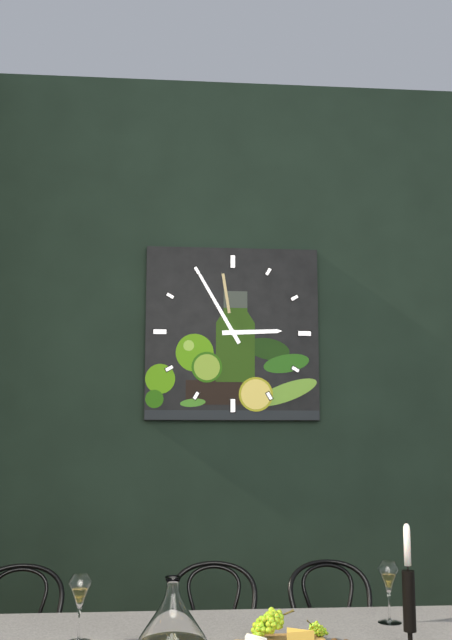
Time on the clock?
2:55
